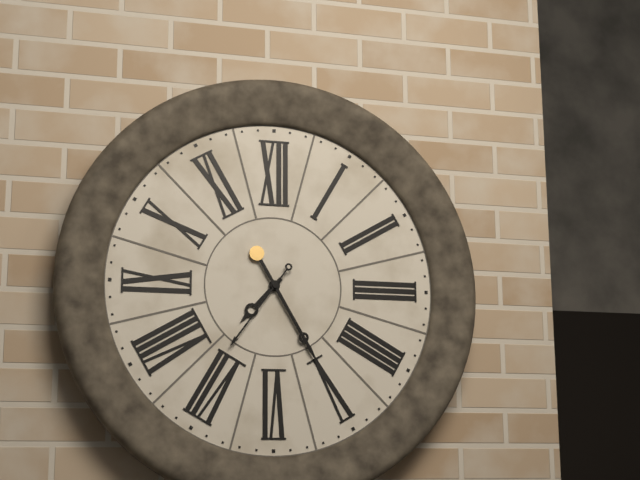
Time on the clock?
7:25:36
